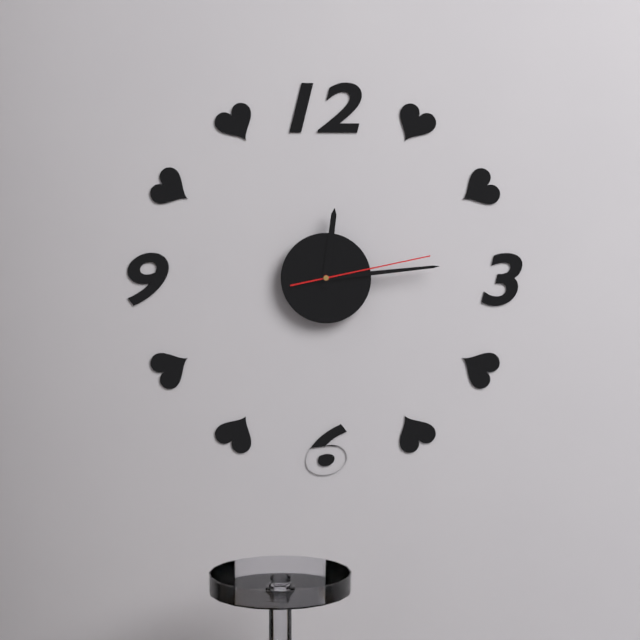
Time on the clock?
12:14:13
